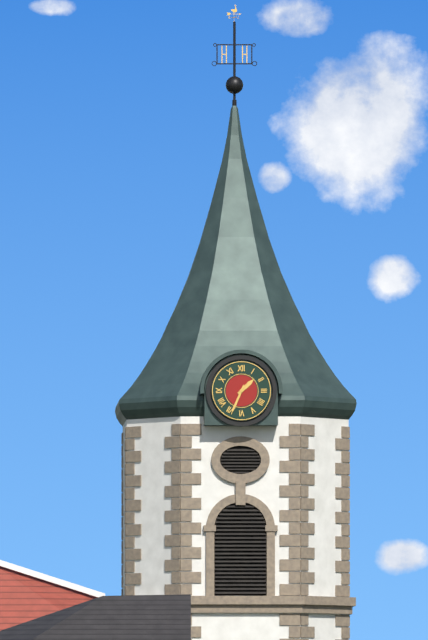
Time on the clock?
1:34
